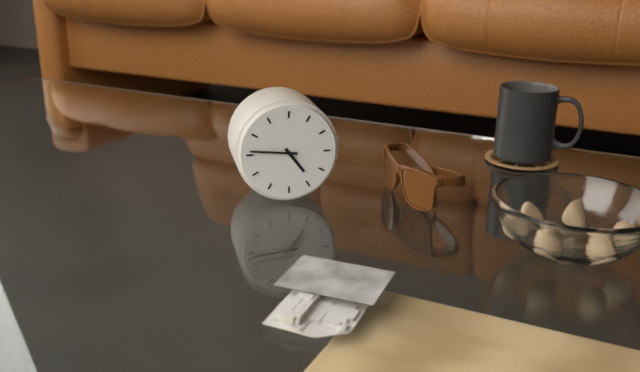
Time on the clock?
4:46
